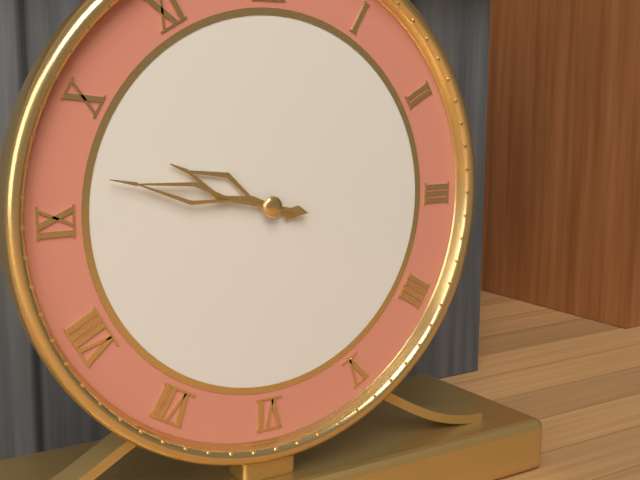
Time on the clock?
9:47
